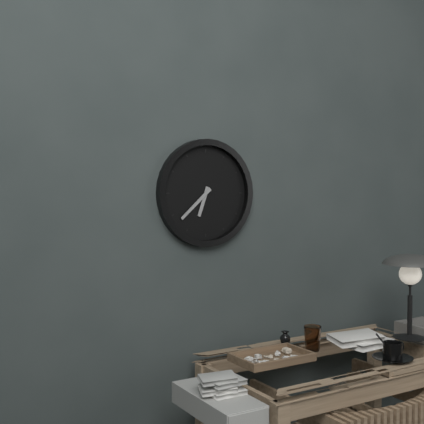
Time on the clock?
6:38
